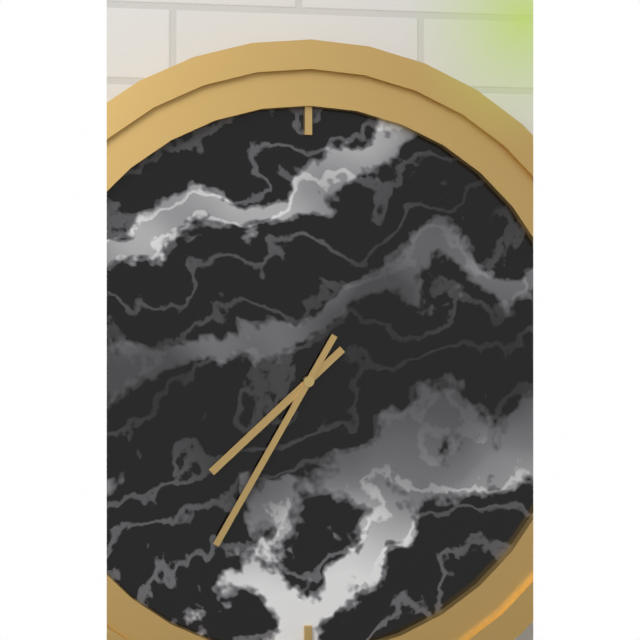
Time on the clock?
7:35
